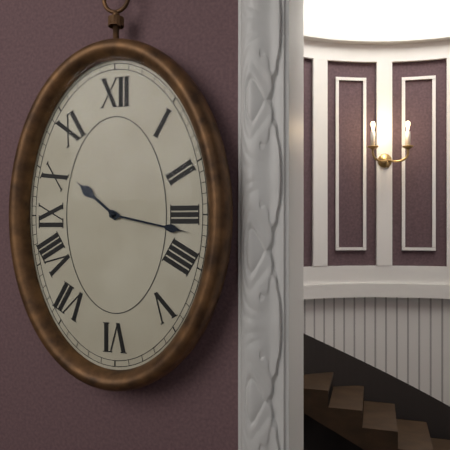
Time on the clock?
10:17
